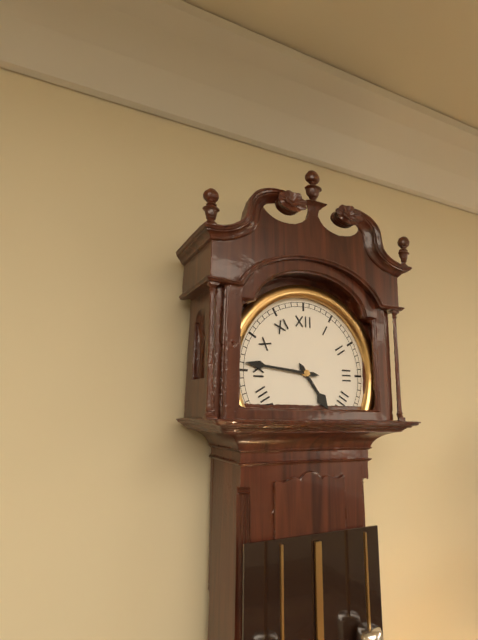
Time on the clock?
4:46
